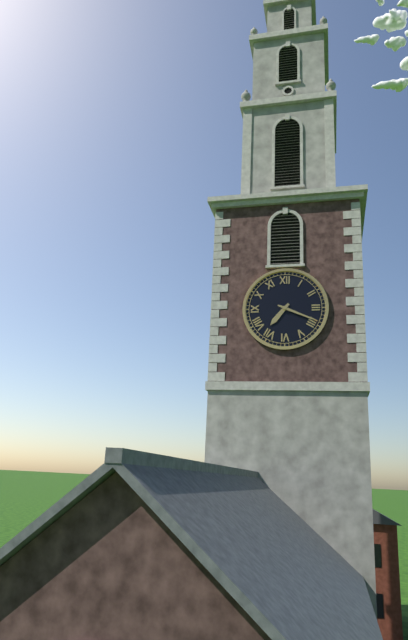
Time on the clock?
7:19
